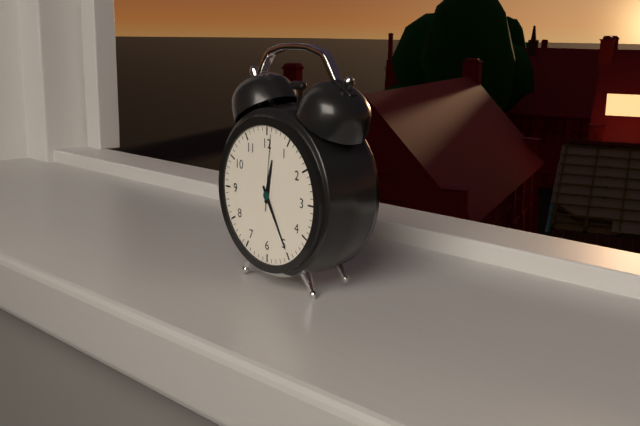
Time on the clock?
12:25:01
